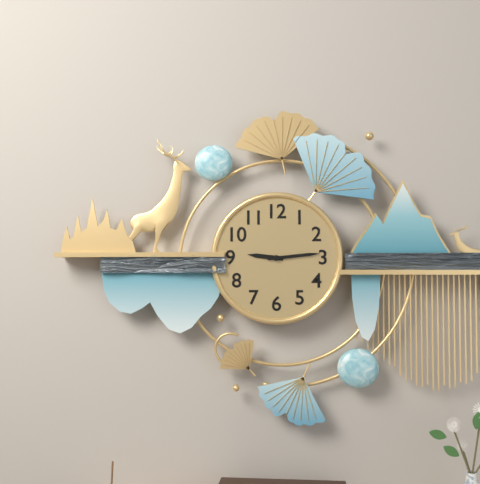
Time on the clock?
9:14
